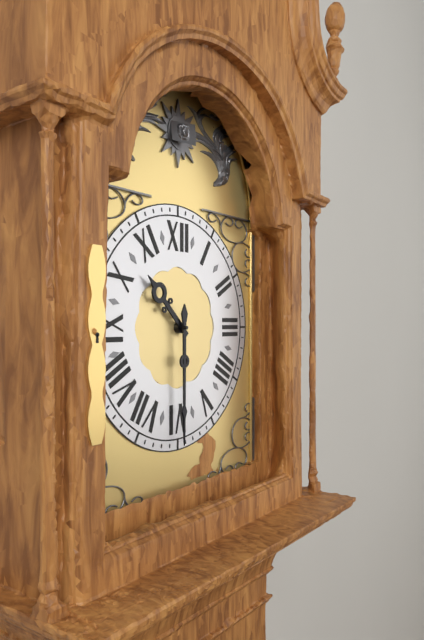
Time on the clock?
10:30
